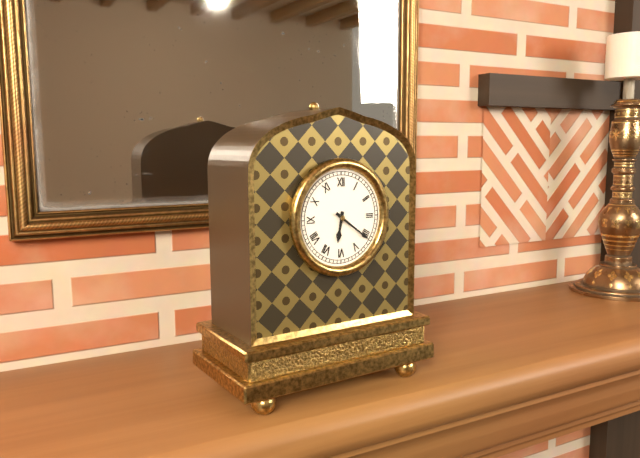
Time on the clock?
6:21
